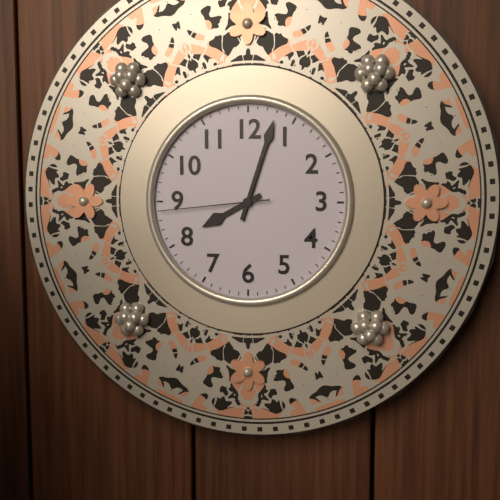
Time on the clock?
8:03:44
